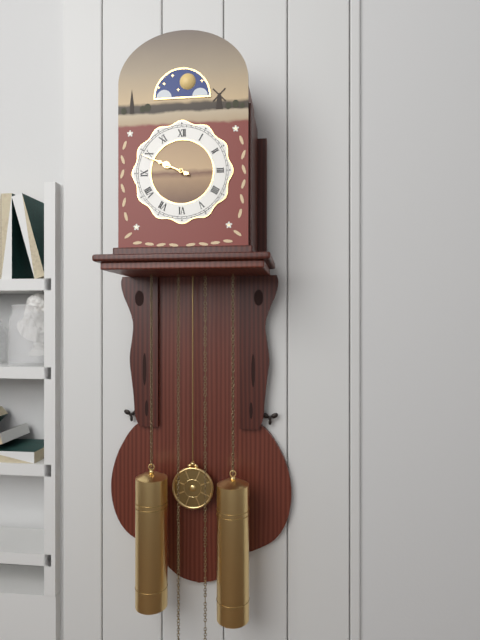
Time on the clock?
9:49
